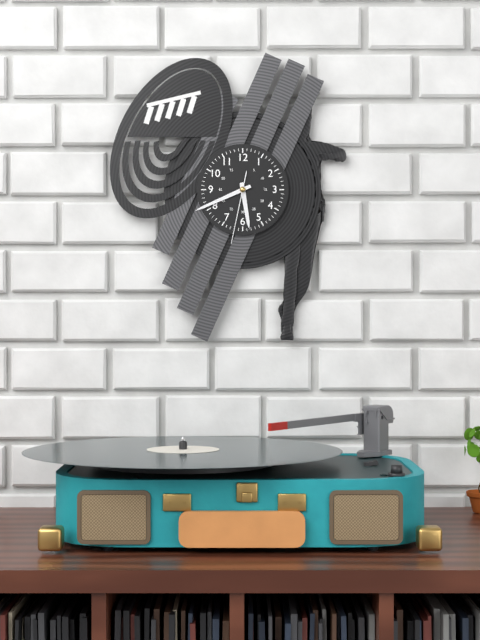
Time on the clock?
5:41:32
